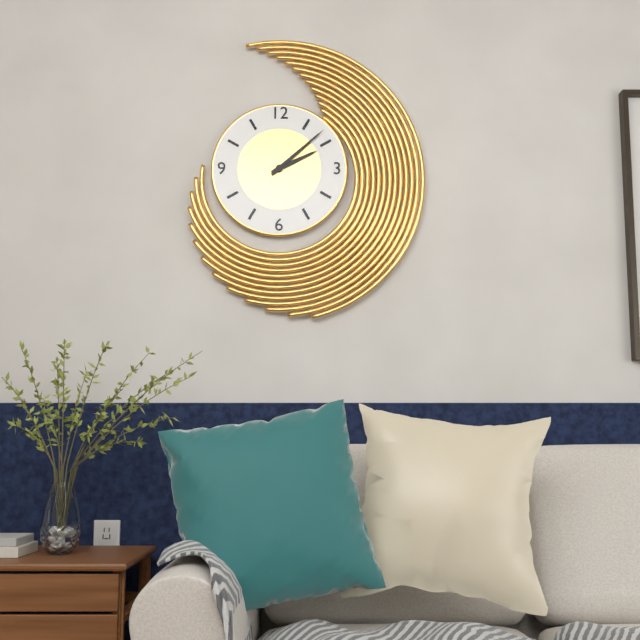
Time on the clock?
2:08
